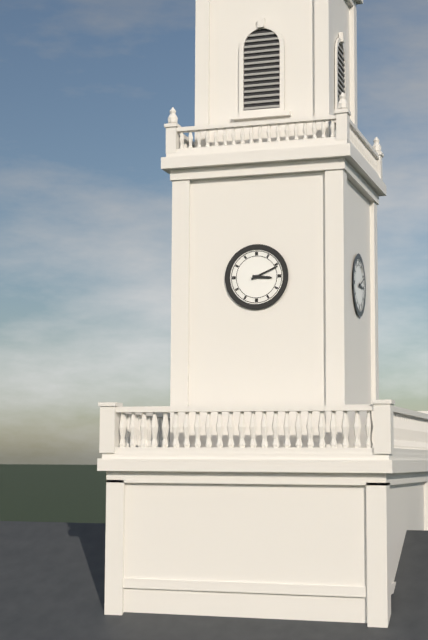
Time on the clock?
3:11
